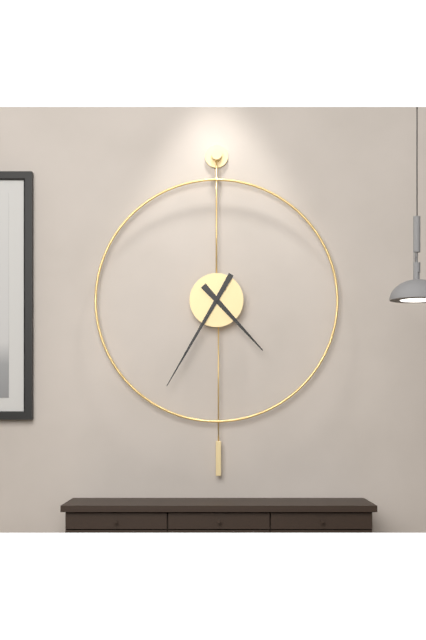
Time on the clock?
4:35
